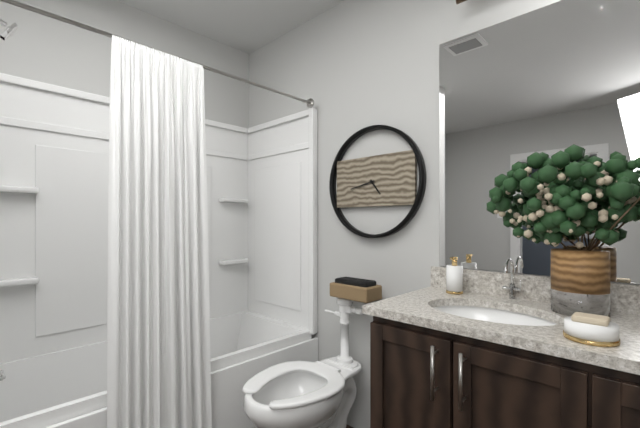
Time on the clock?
4:43
